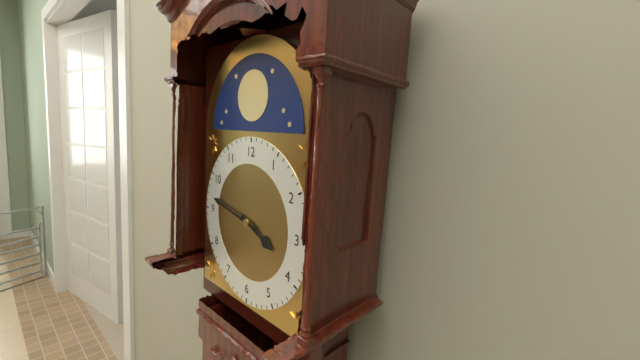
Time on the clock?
3:47
